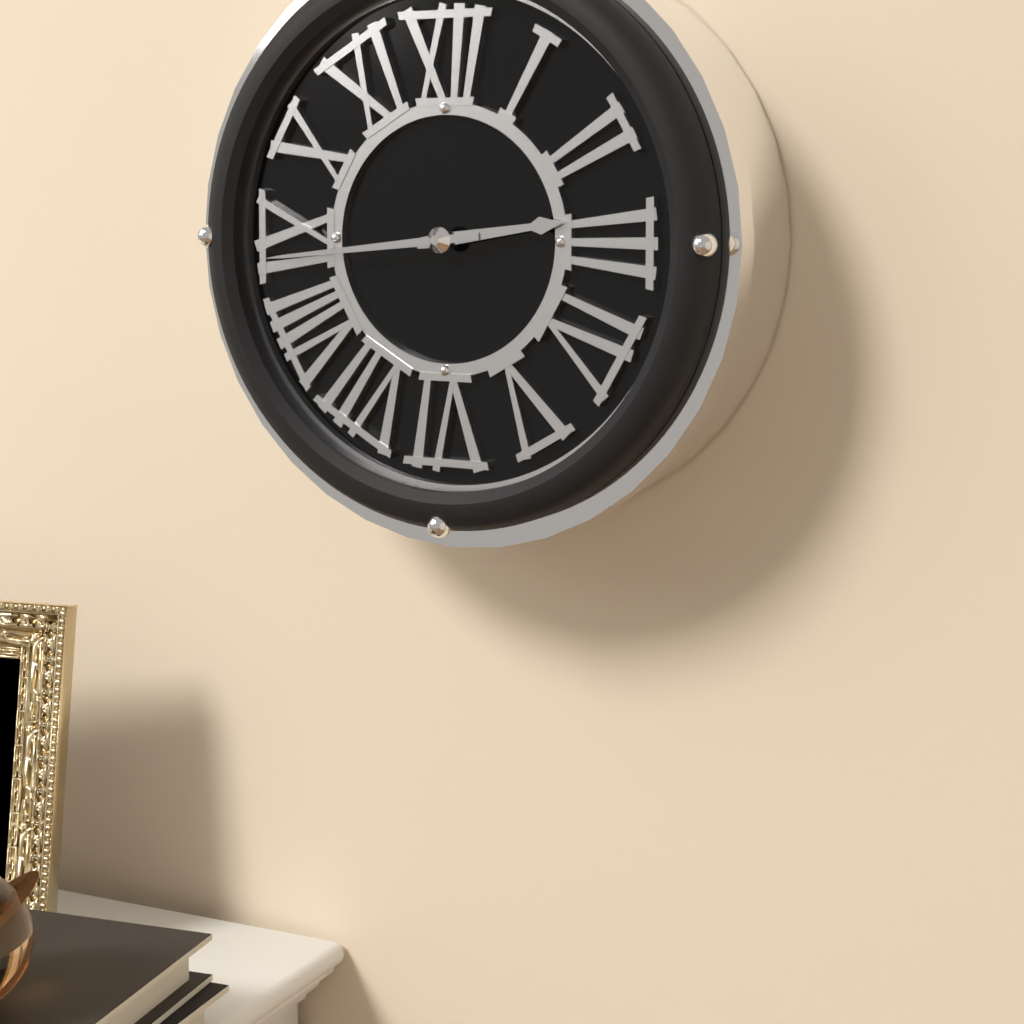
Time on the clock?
2:44
